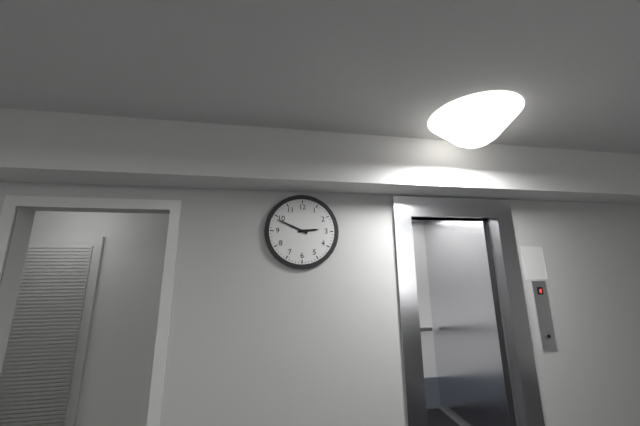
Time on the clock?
2:49
